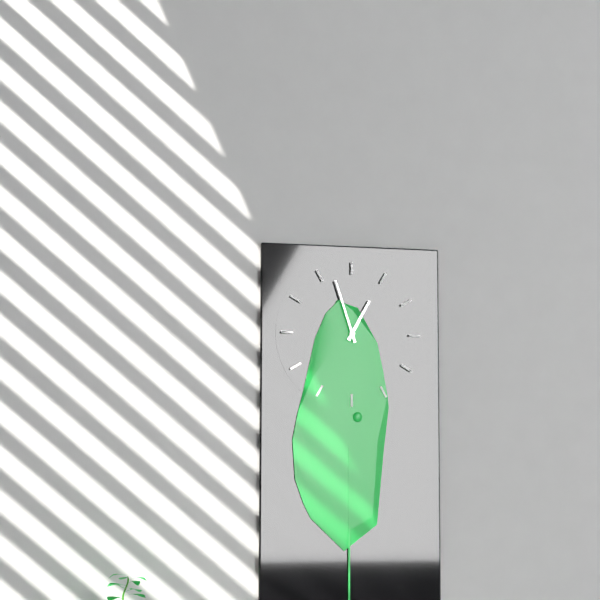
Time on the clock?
12:57
